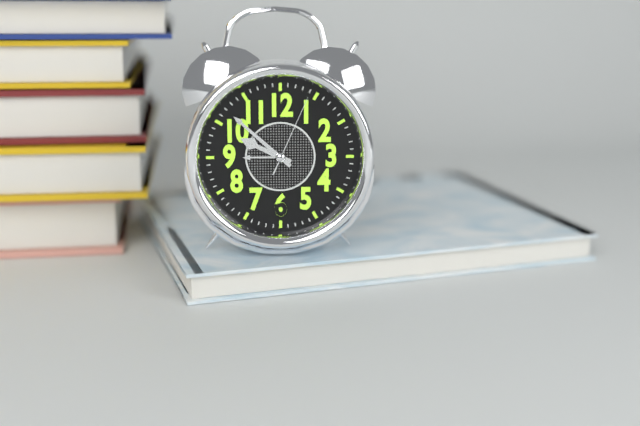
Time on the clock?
9:52:04
